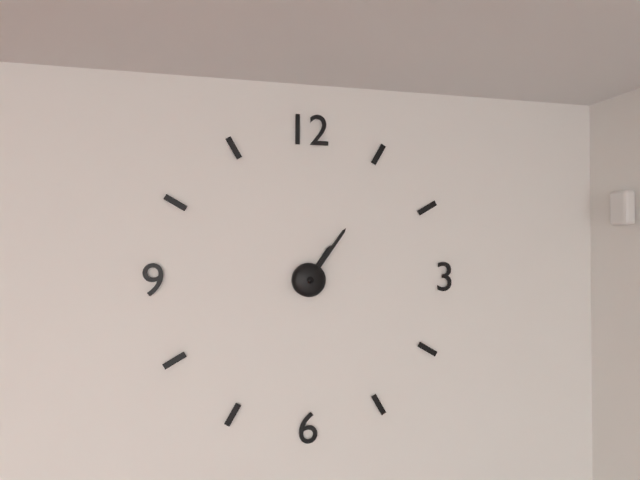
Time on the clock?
1:06
